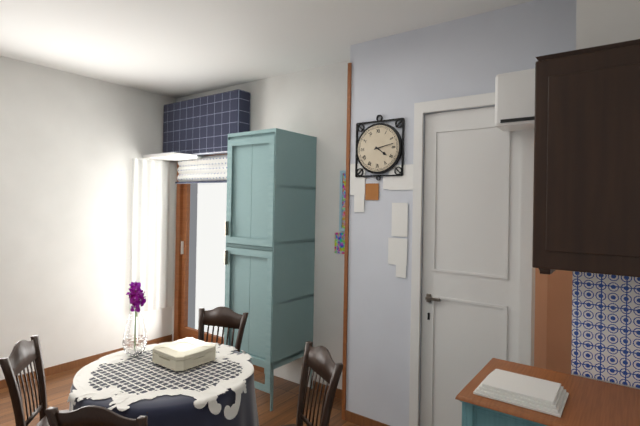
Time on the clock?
4:13
